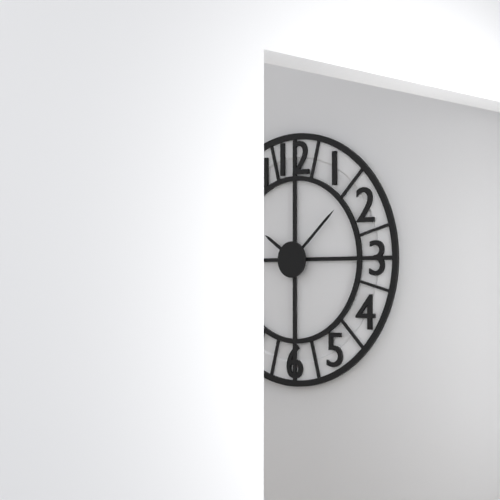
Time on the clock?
10:08
